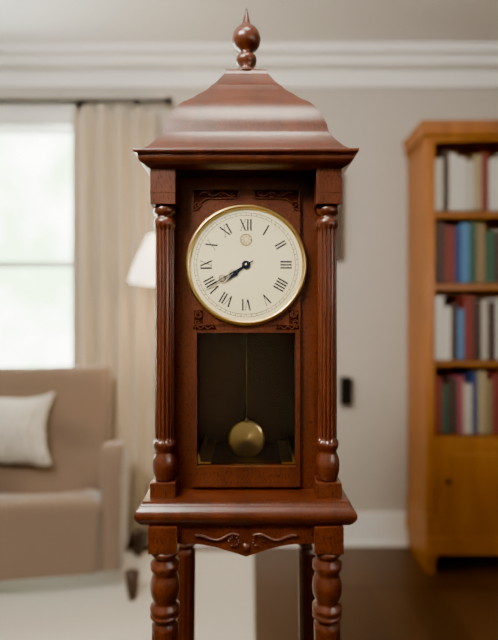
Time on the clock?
7:40
